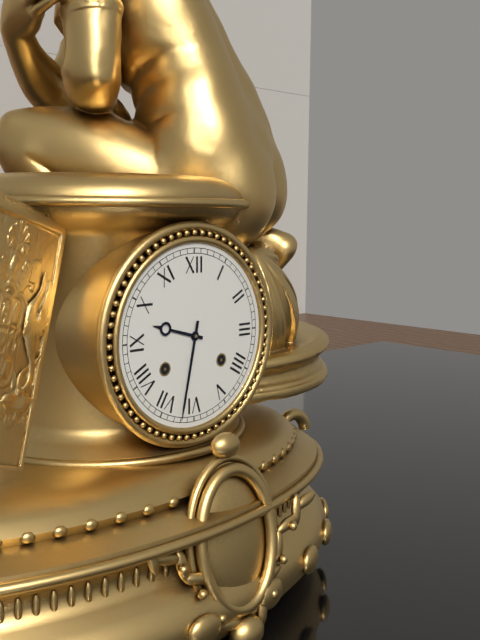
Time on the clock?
9:32
